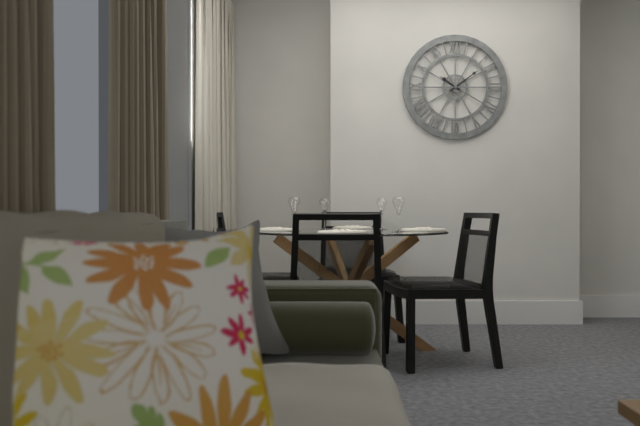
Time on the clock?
10:09
